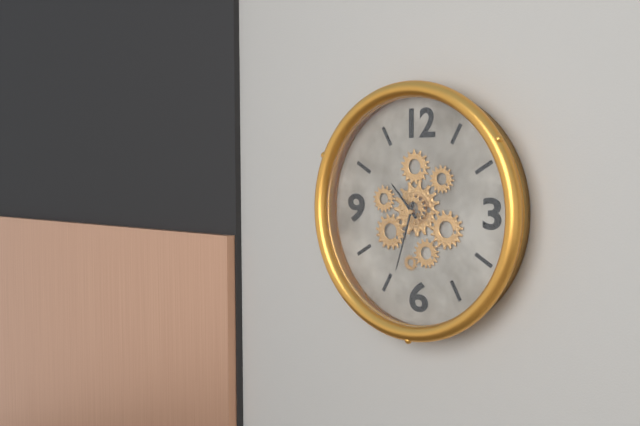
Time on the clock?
10:33
